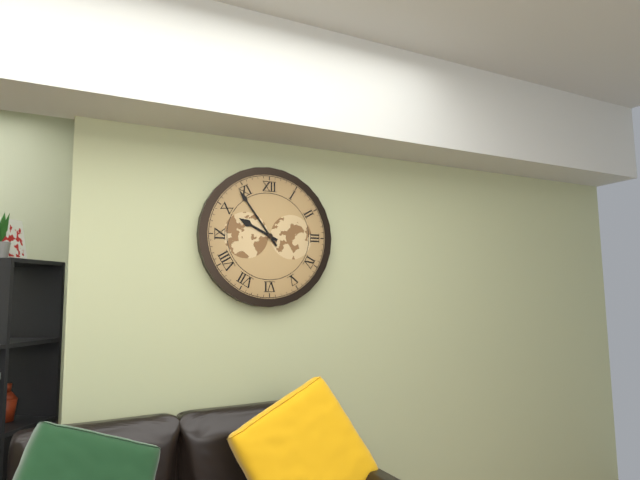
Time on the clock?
9:54
